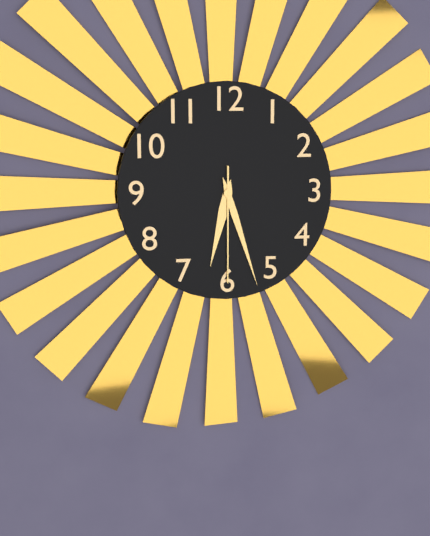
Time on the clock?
6:27:30
